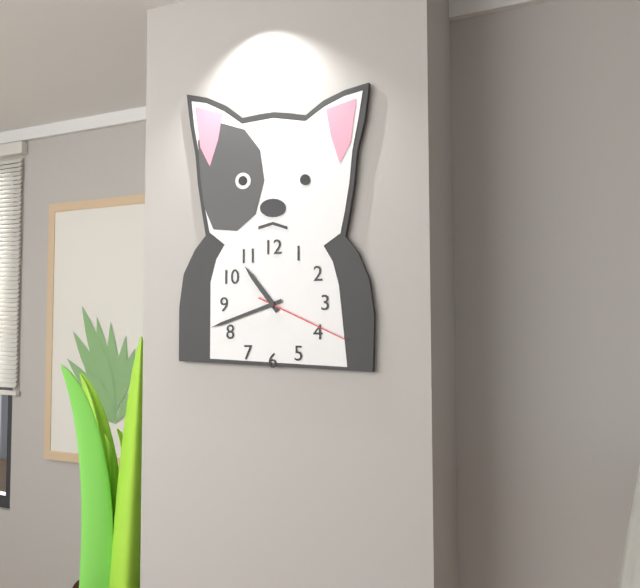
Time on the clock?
10:42:19
